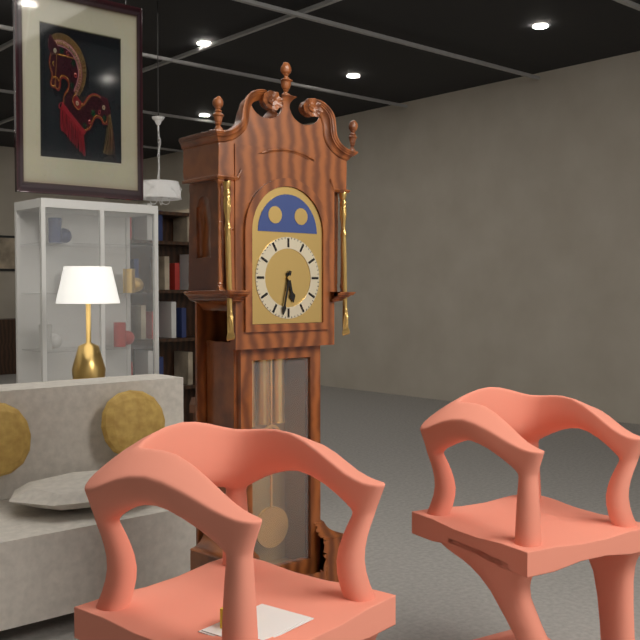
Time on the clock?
5:32
